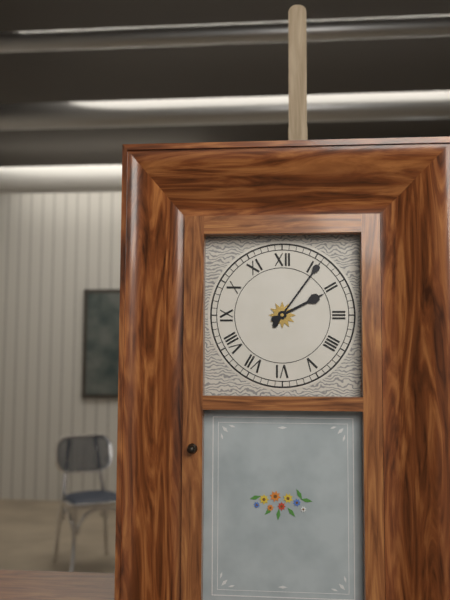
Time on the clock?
2:06
